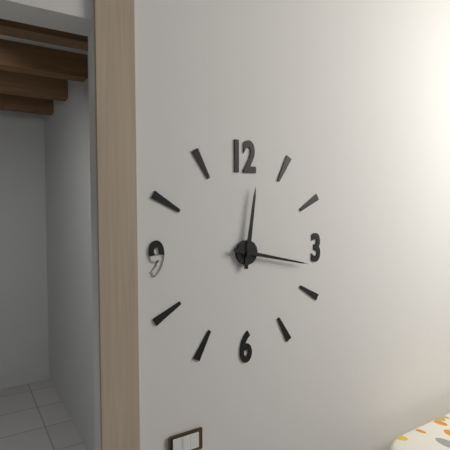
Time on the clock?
12:17
